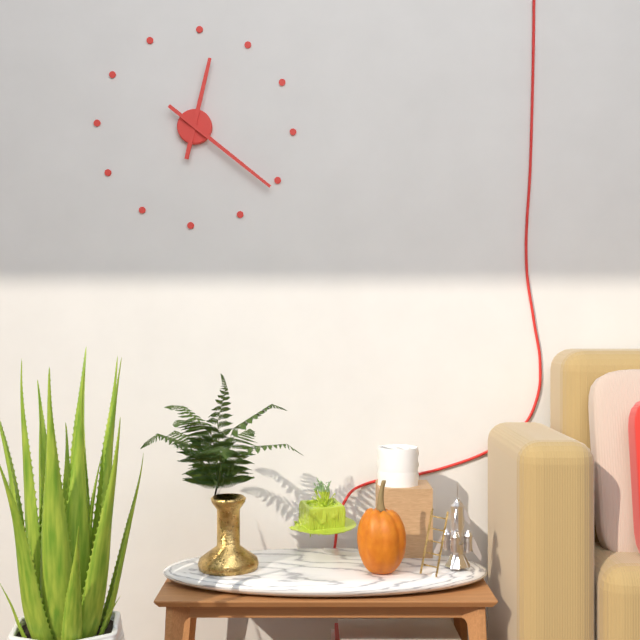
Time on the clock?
12:21
